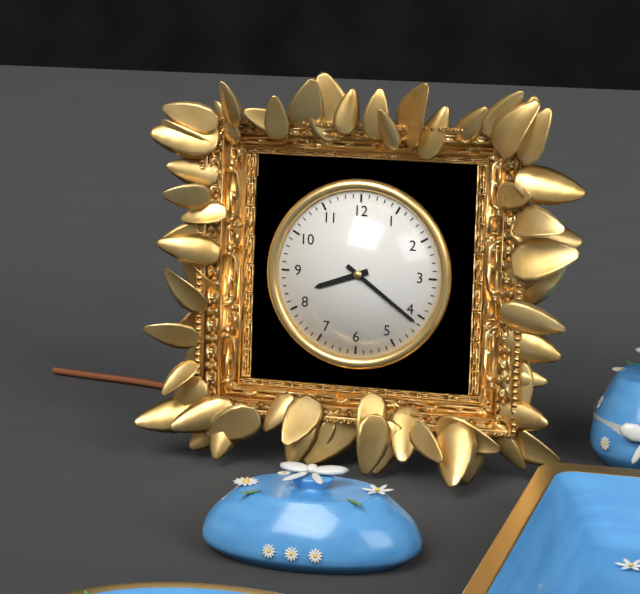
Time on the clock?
8:21
